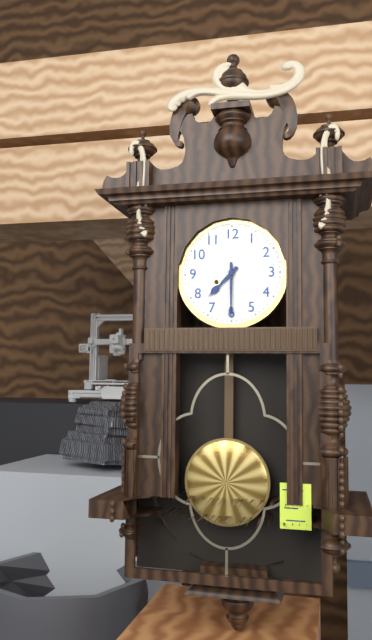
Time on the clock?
7:30
